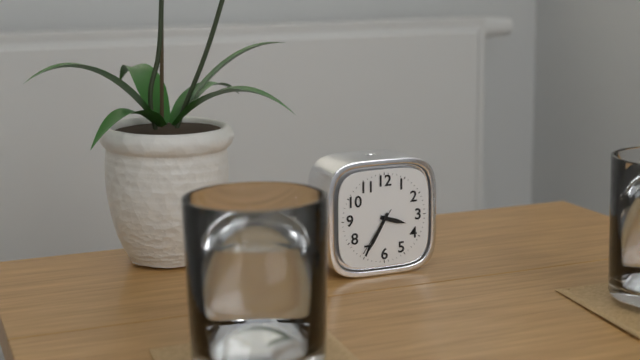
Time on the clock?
3:35:36
